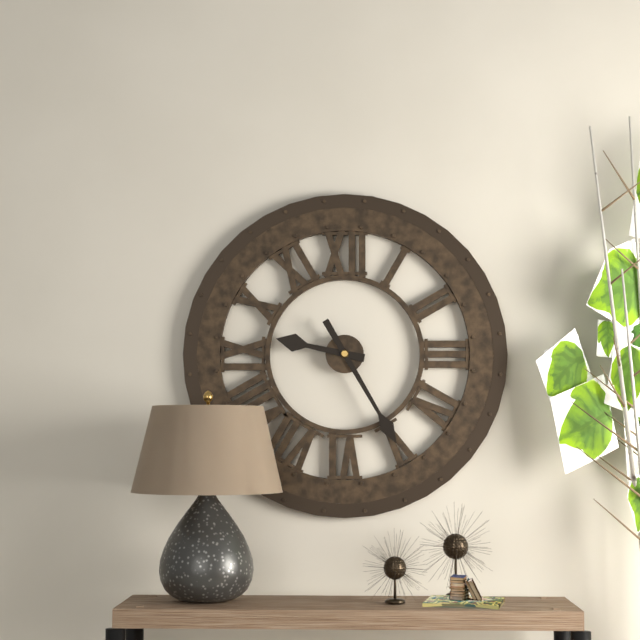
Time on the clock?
9:25
